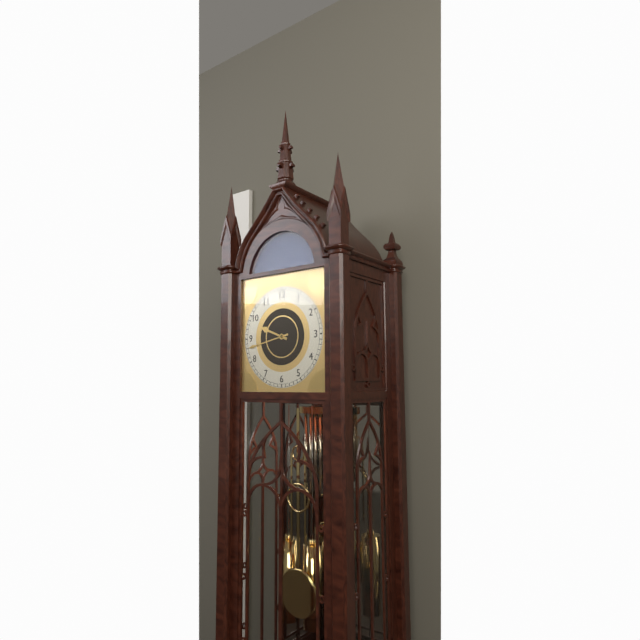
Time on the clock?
9:43
